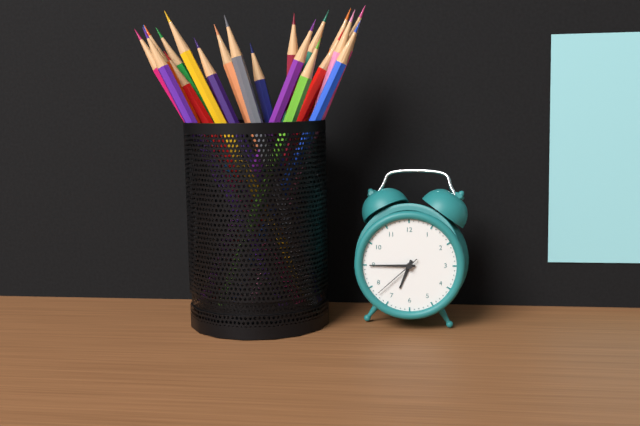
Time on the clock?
6:45:38
